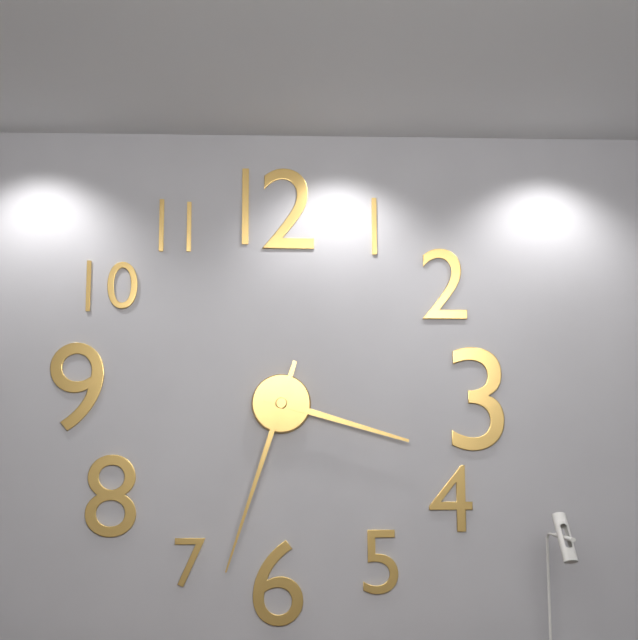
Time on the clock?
3:33
